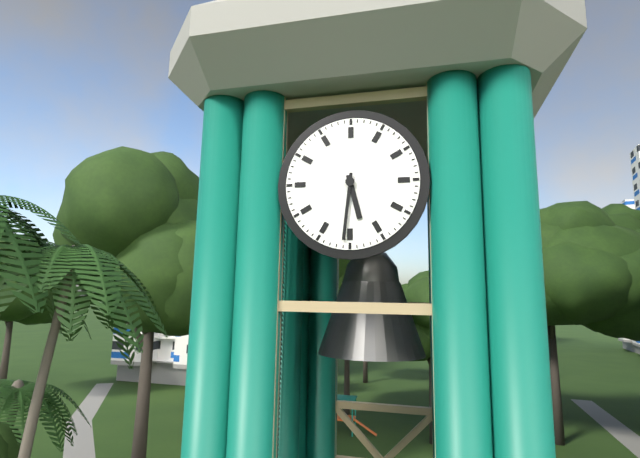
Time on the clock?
5:31
